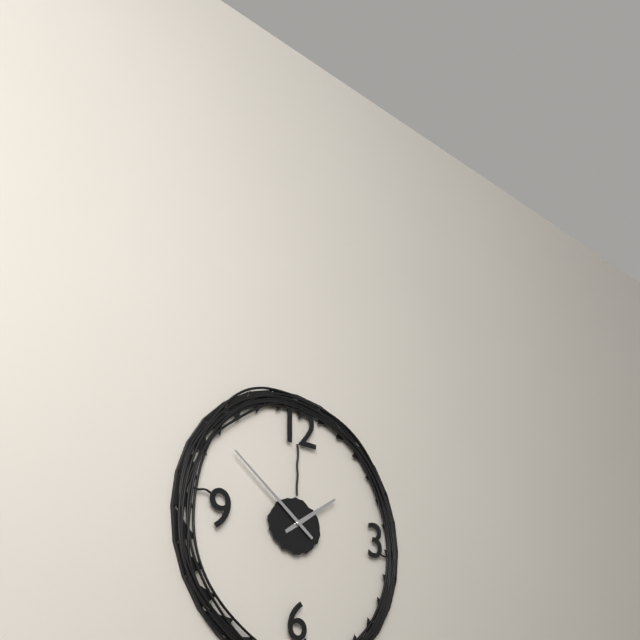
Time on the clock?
1:51
